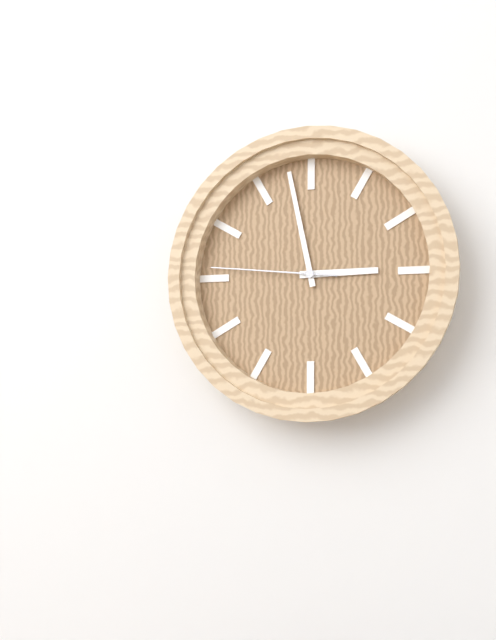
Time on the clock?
2:58:46
